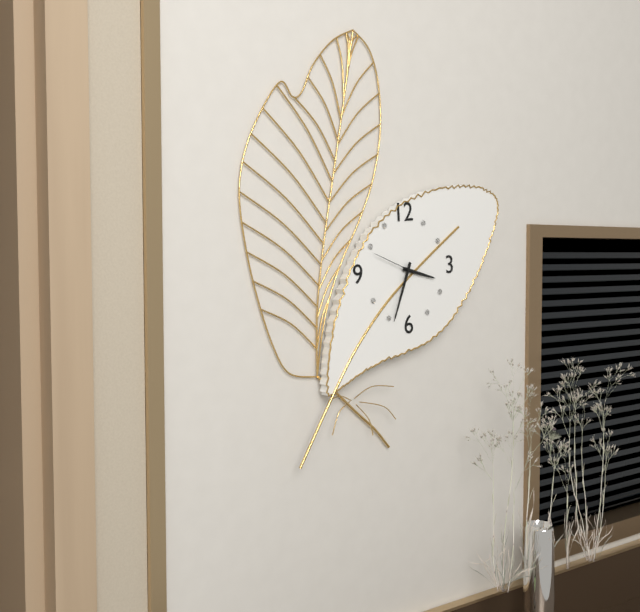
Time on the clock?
3:34
